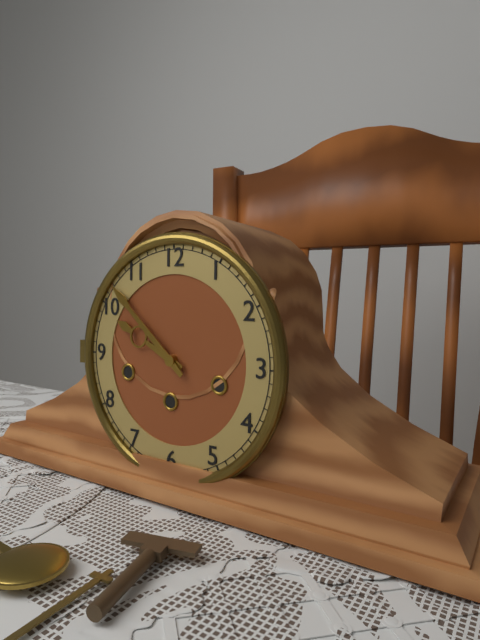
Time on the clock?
9:52
